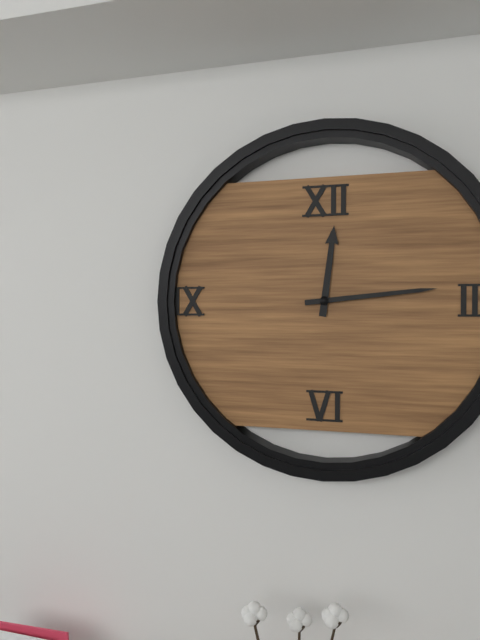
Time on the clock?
12:14
